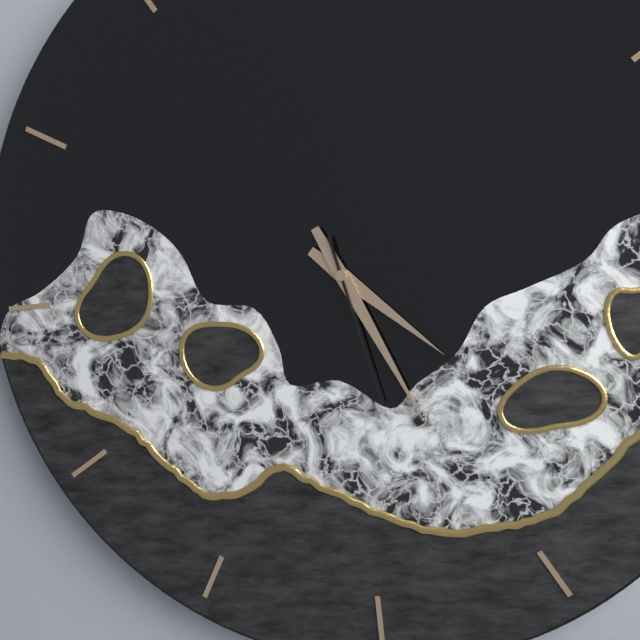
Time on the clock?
4:26:28
